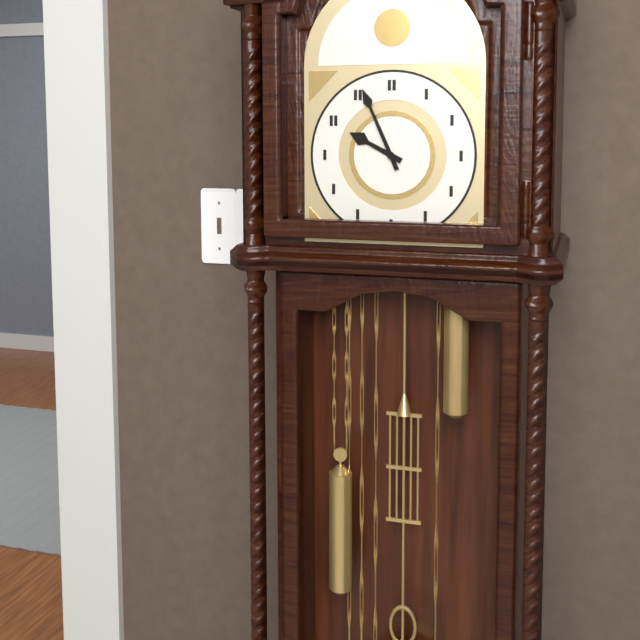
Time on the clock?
9:56
